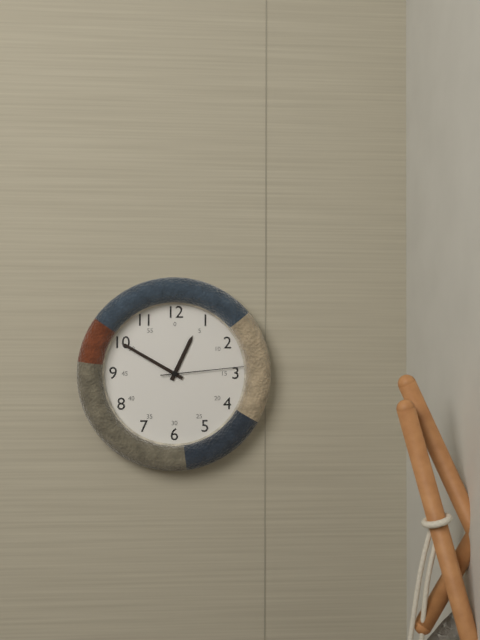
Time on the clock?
12:50:14
